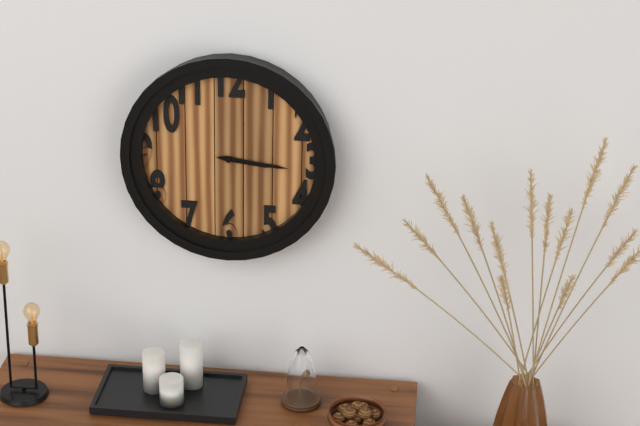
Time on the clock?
3:16
